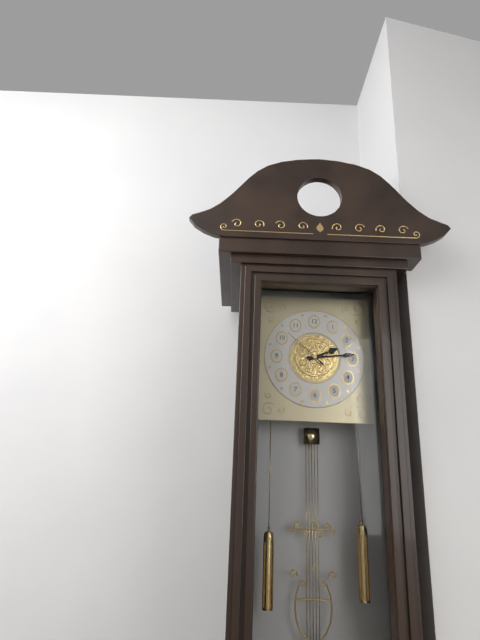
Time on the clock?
2:14
